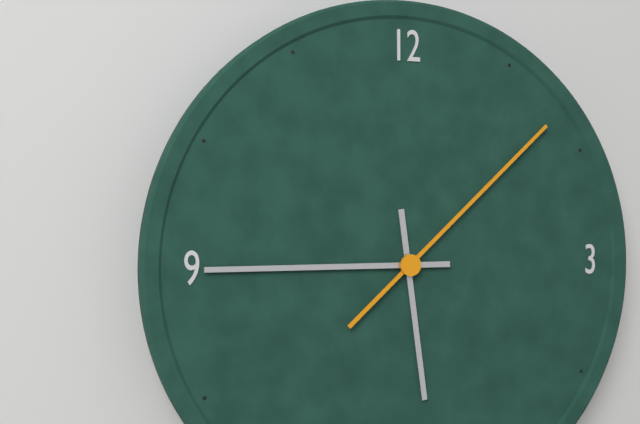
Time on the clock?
5:45:08
